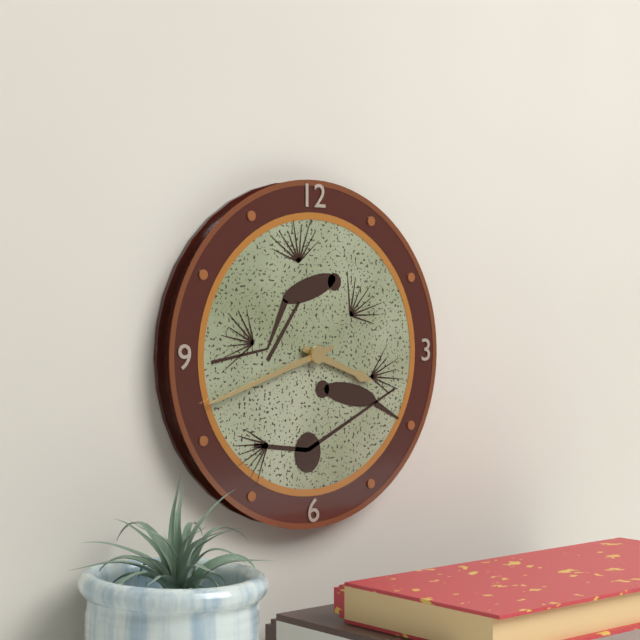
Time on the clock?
3:42
